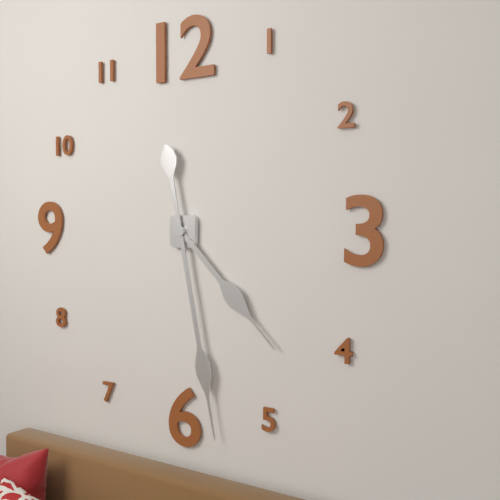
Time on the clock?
4:28
